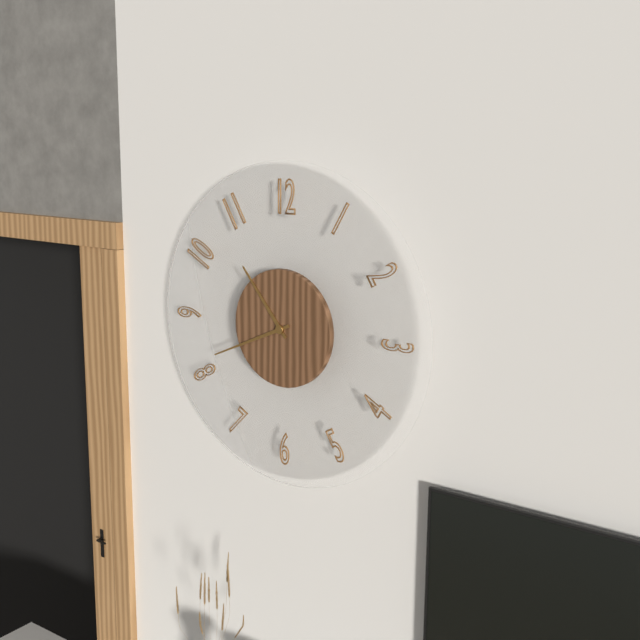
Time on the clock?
10:41
